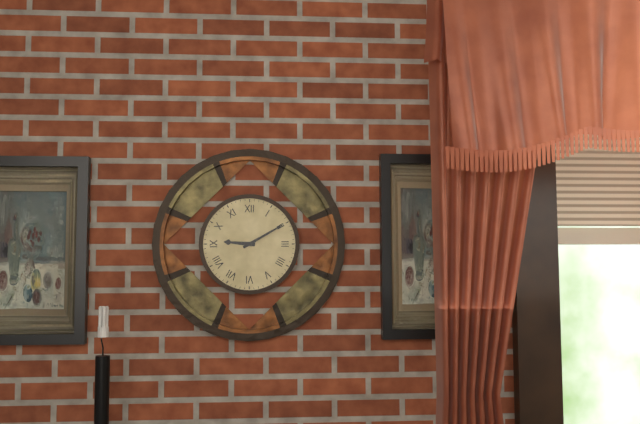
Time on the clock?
9:10
